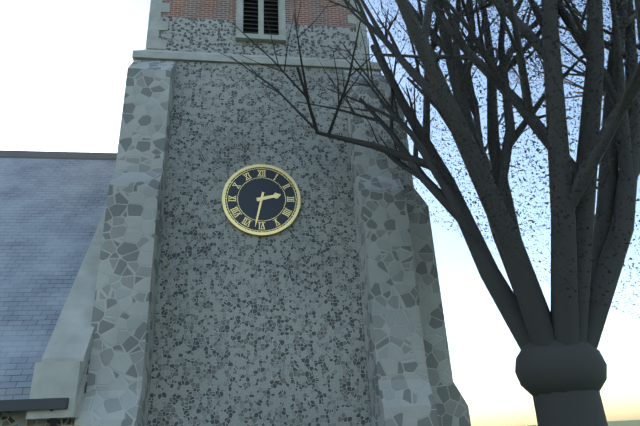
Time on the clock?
2:32
